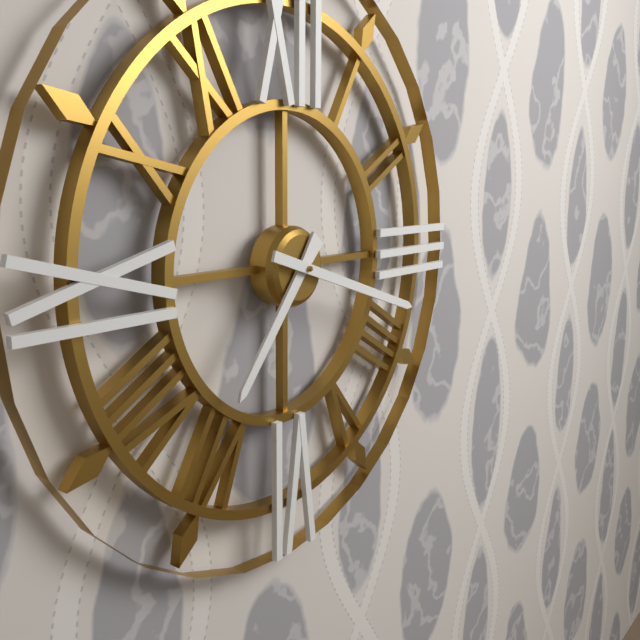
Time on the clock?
7:18
